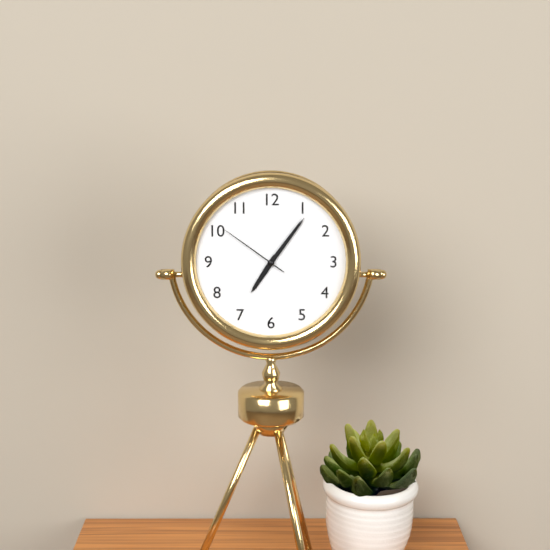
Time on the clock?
7:06:51
